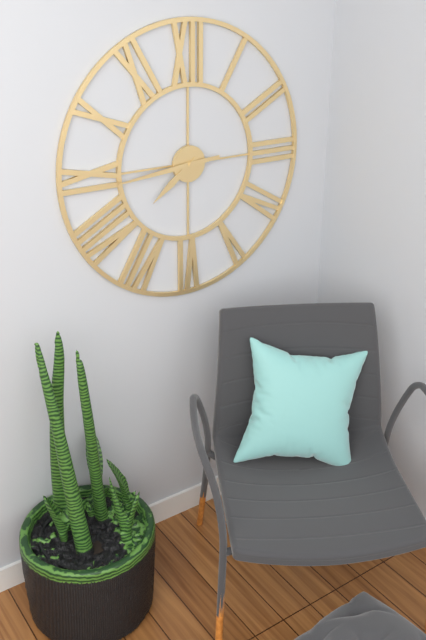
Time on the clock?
7:44
